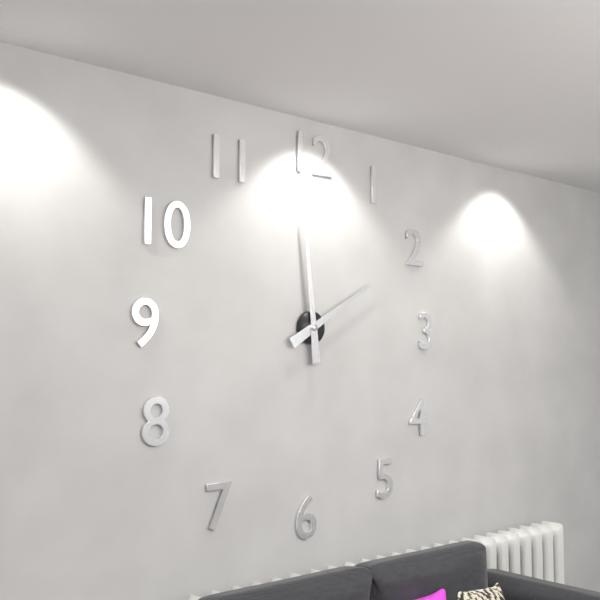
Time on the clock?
1:59
